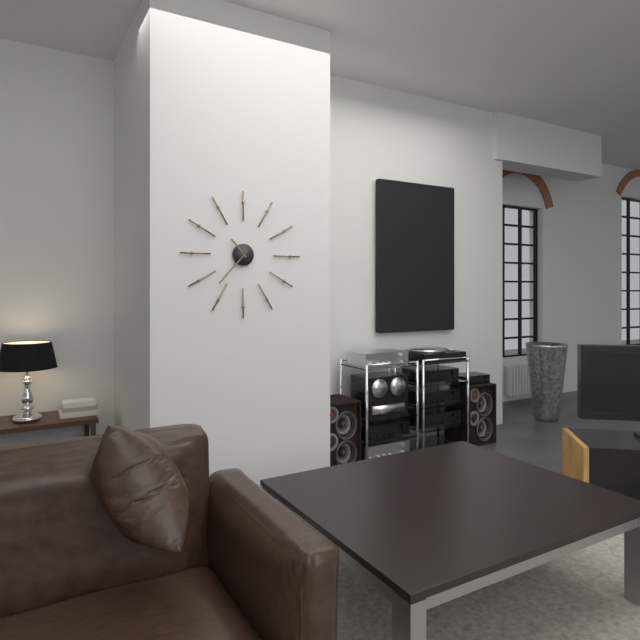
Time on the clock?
10:37
